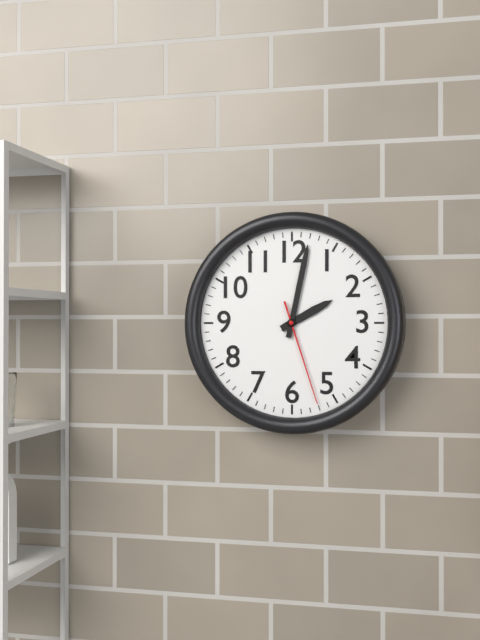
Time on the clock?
2:02:27
